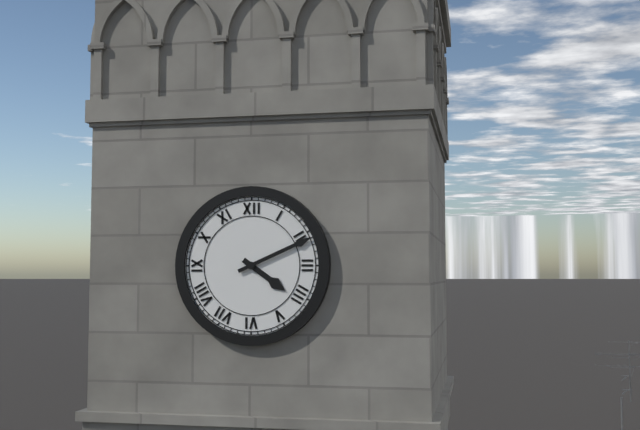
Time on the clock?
4:11
